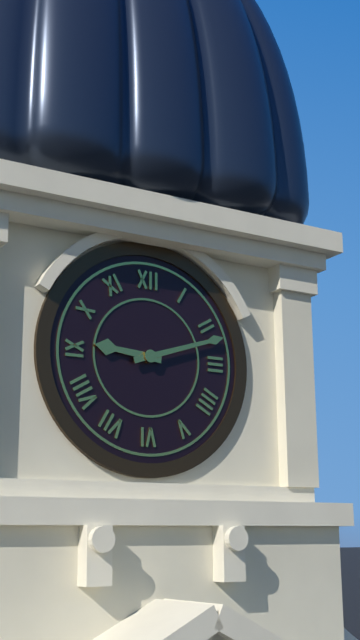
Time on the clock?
9:12
